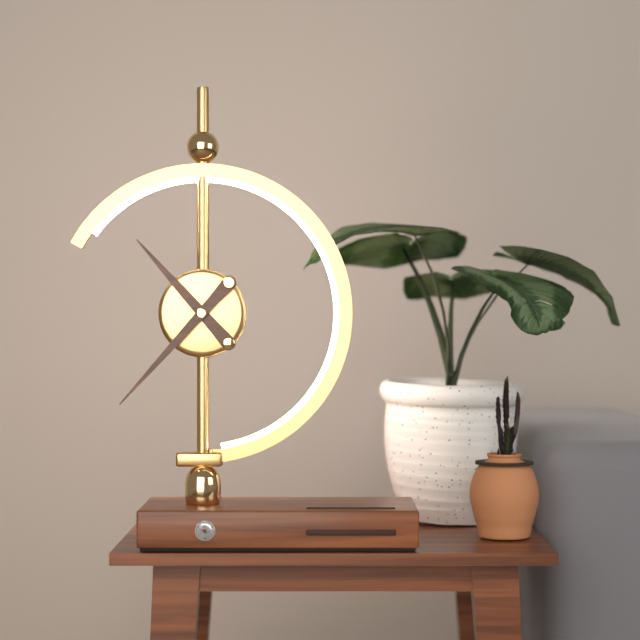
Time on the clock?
10:37
